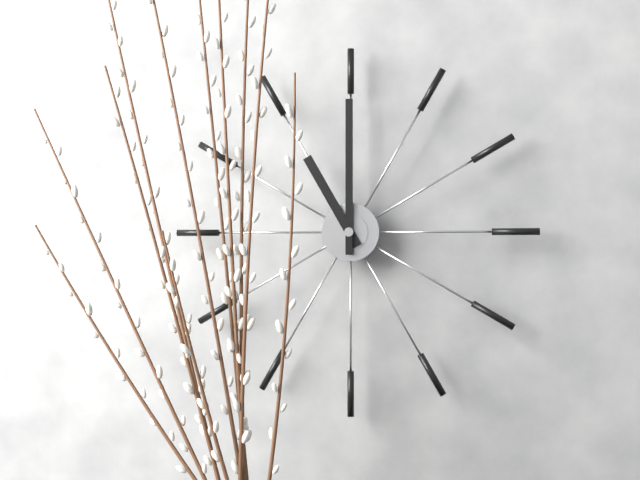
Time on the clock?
11:00
